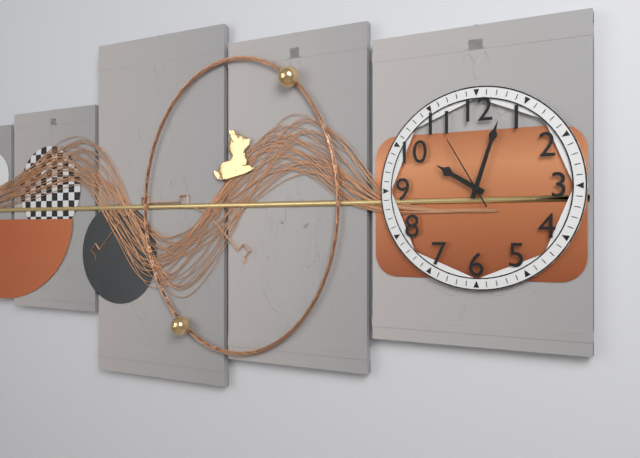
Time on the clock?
10:03:55
